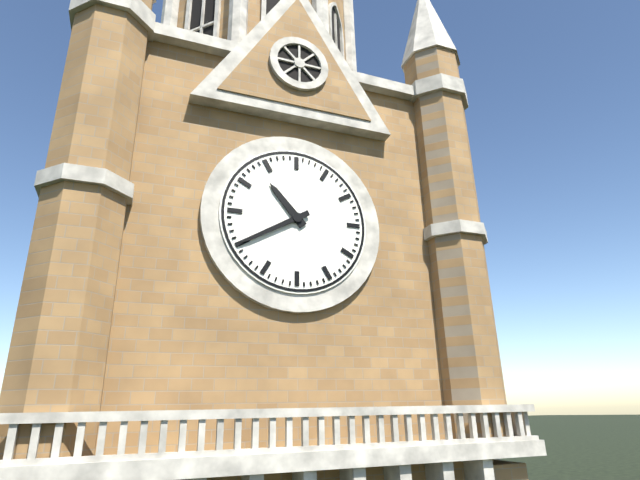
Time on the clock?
10:40
